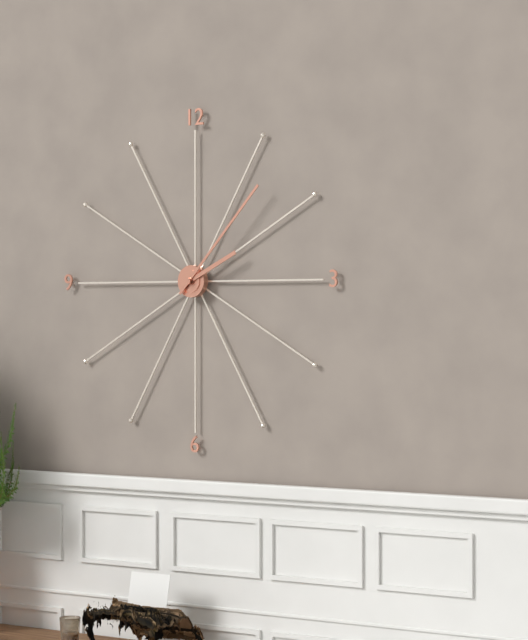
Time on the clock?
2:07
